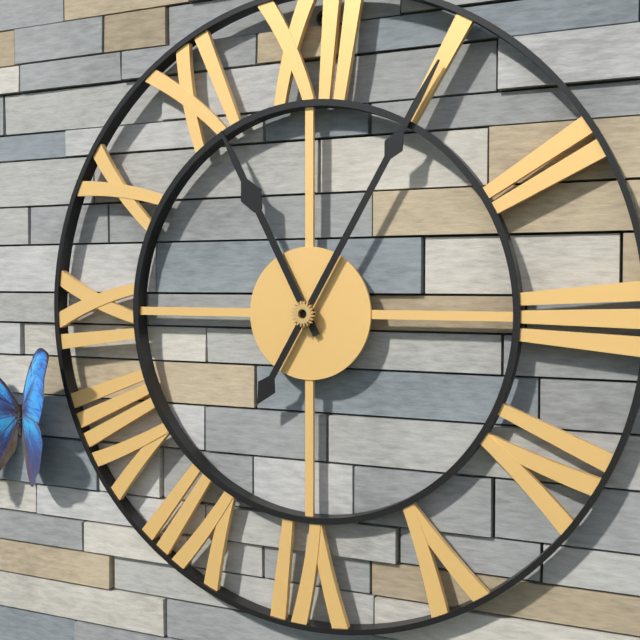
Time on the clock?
11:05
